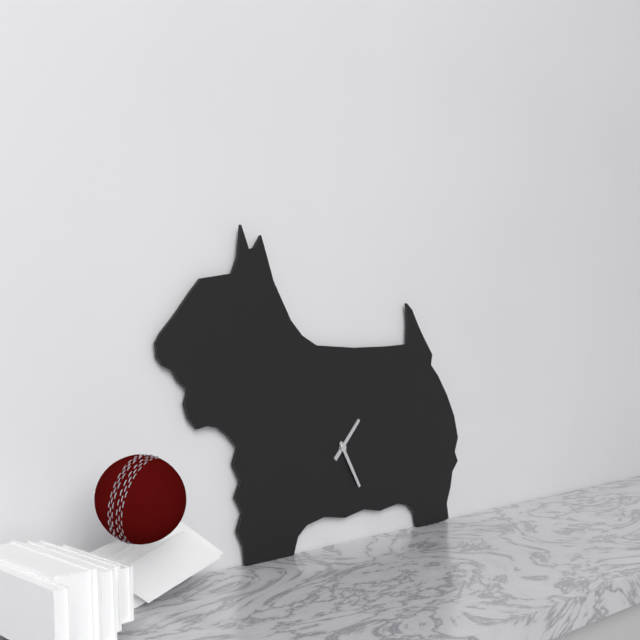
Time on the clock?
1:25
